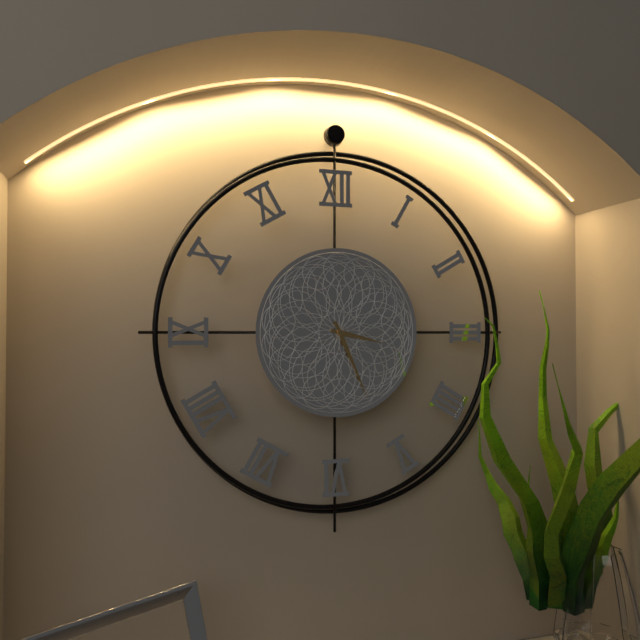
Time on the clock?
3:26
